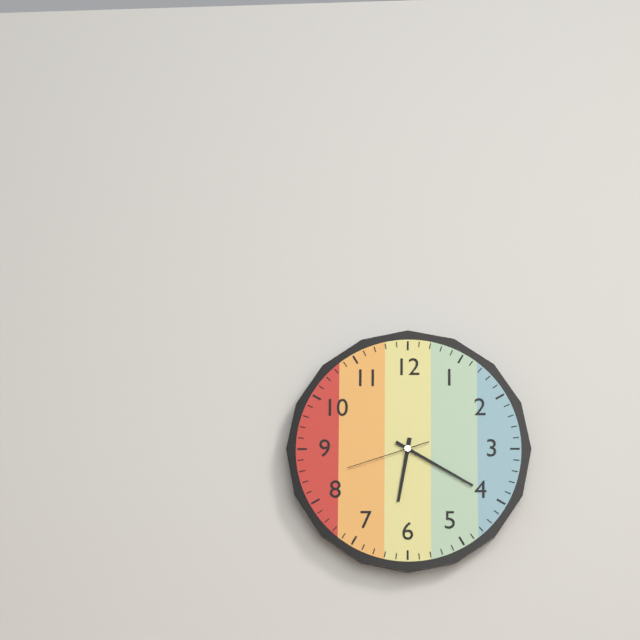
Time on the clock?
6:20:42
